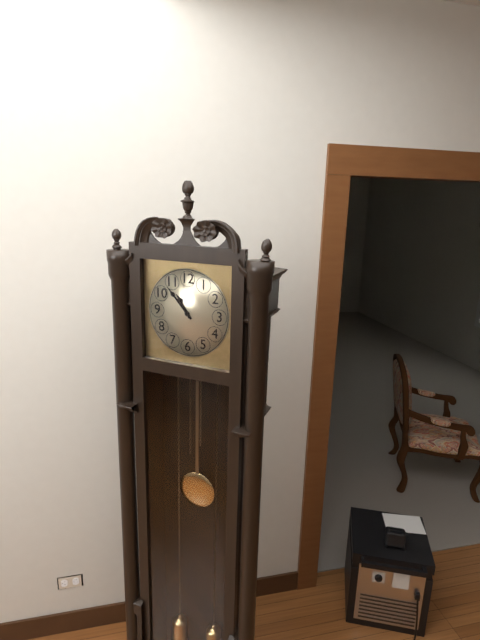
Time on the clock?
10:53
